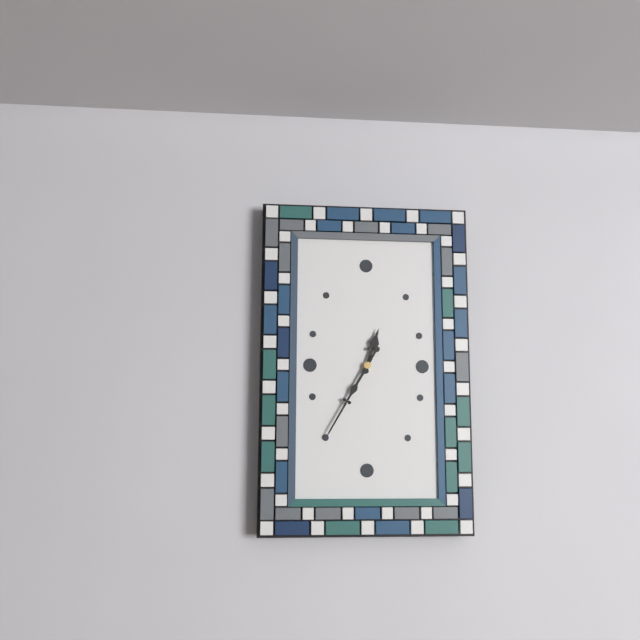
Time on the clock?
12:35
